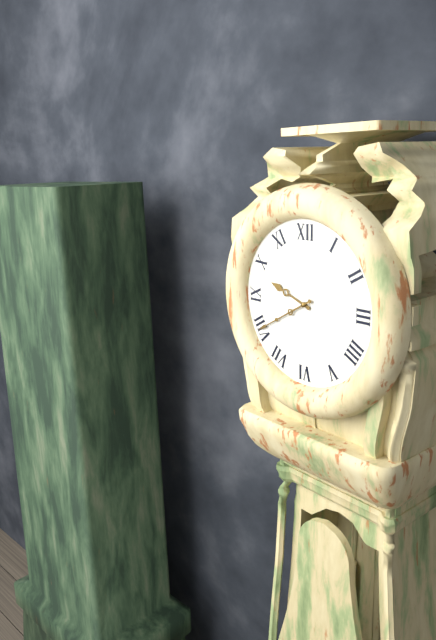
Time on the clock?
9:40
